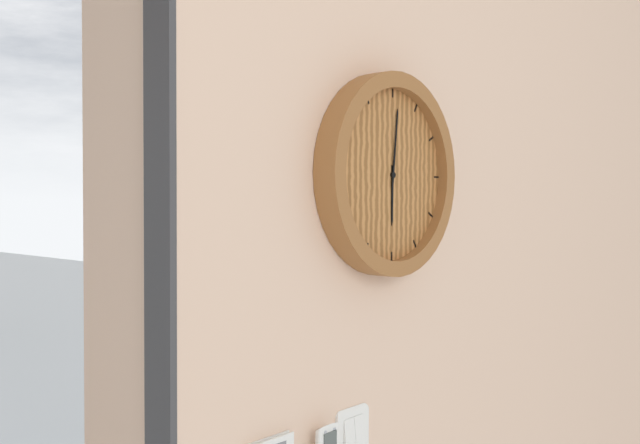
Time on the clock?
6:01
